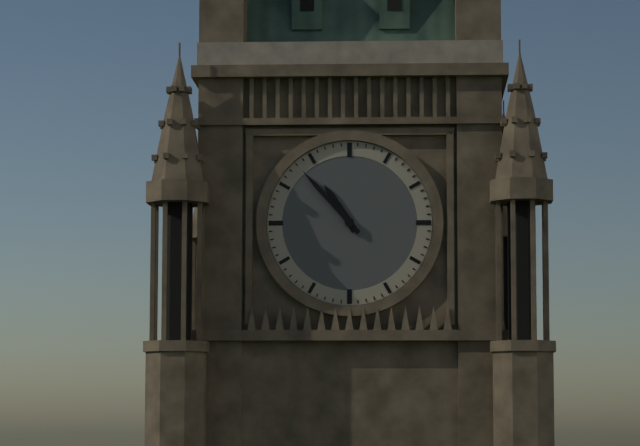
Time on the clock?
10:53
